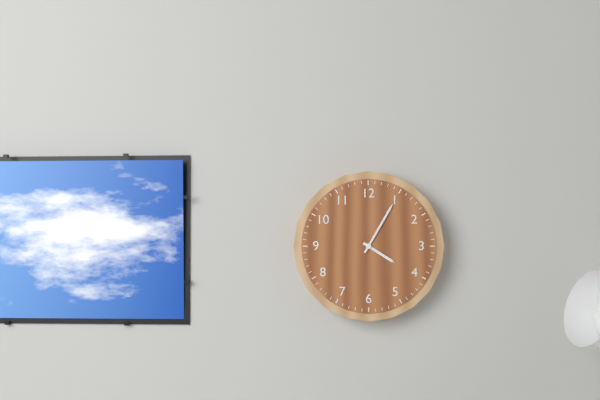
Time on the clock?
4:05
